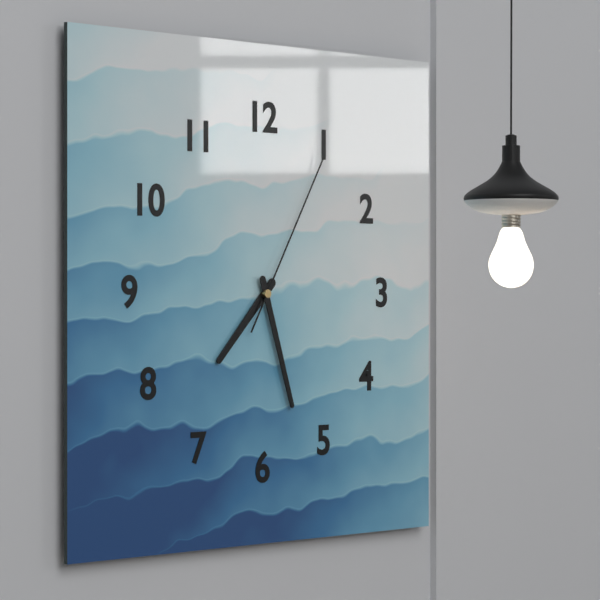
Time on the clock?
7:27:05
